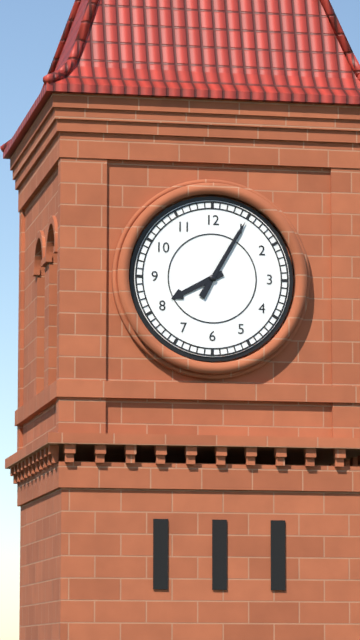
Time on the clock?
8:05
